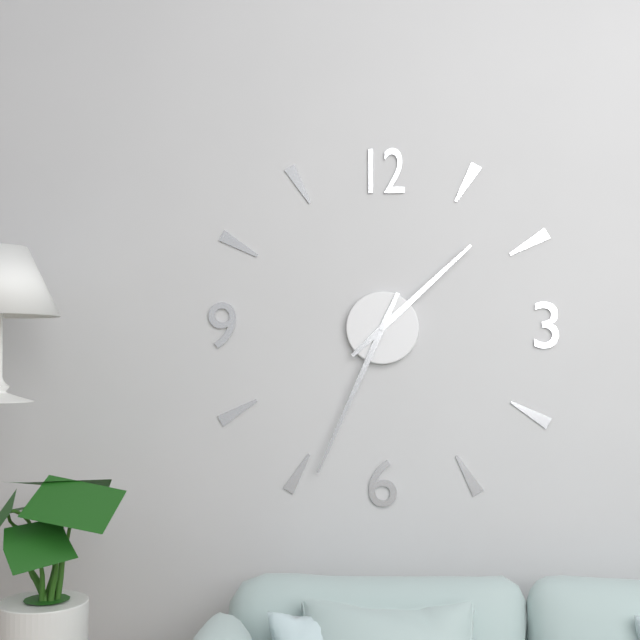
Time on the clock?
1:34
